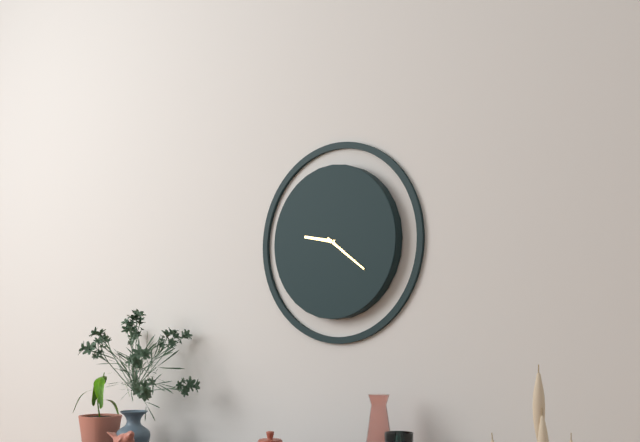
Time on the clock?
9:21
